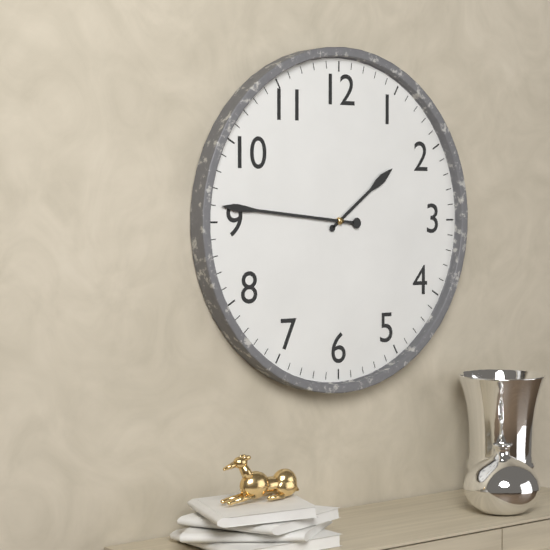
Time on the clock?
1:46
